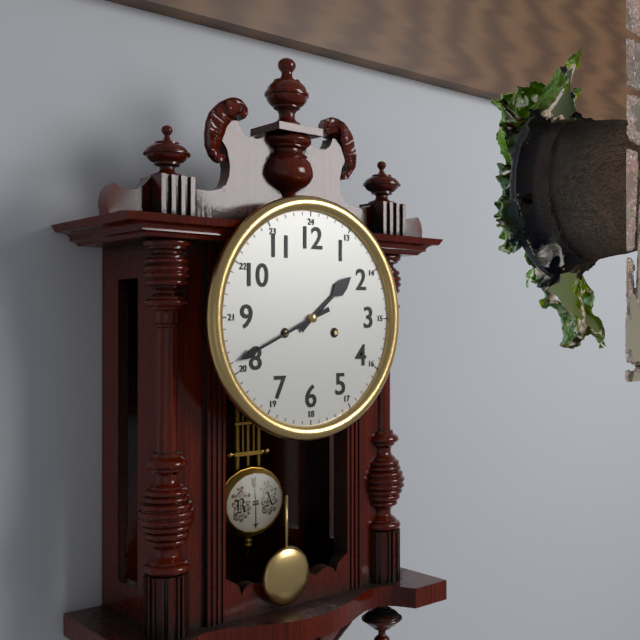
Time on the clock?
1:41
